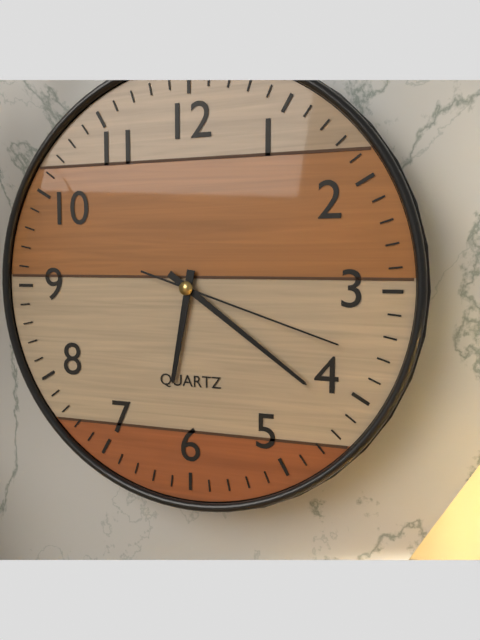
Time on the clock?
6:21:18
